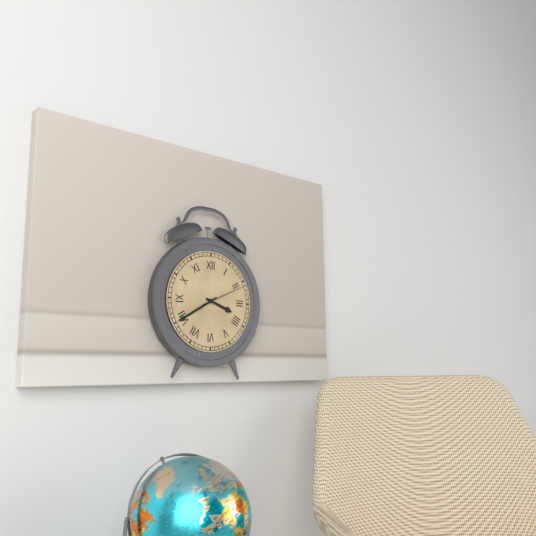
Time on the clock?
3:40
